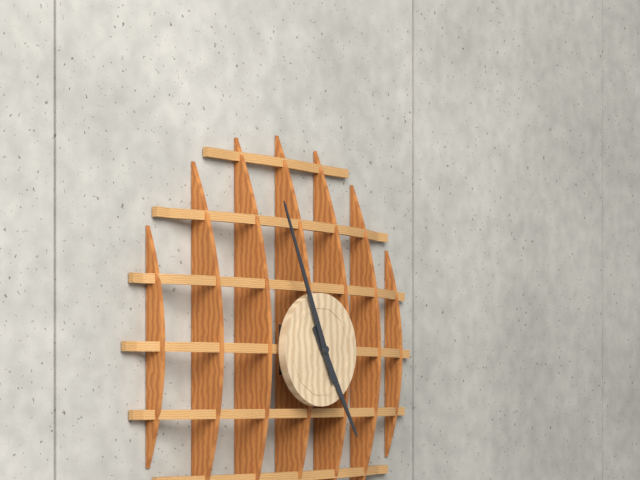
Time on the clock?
4:56
